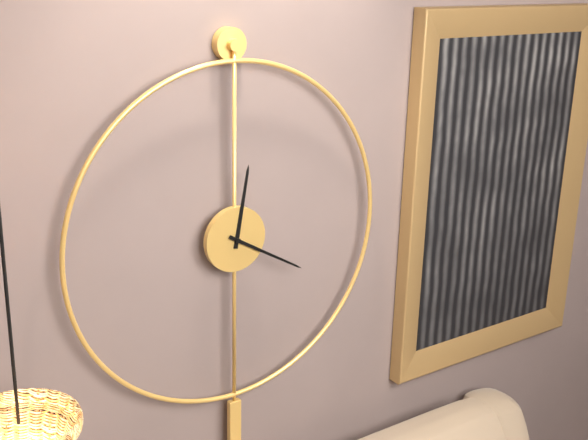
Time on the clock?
12:20
